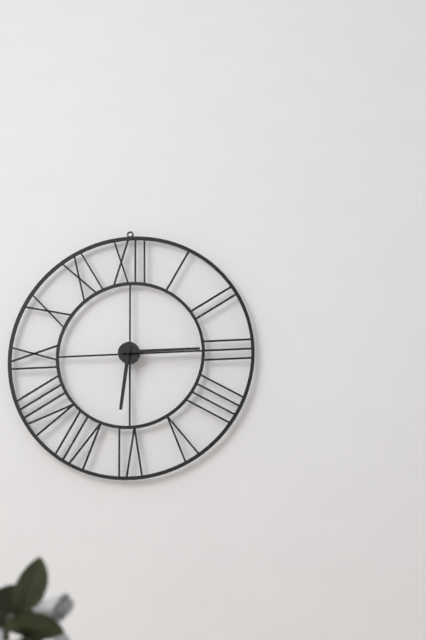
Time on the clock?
6:15
